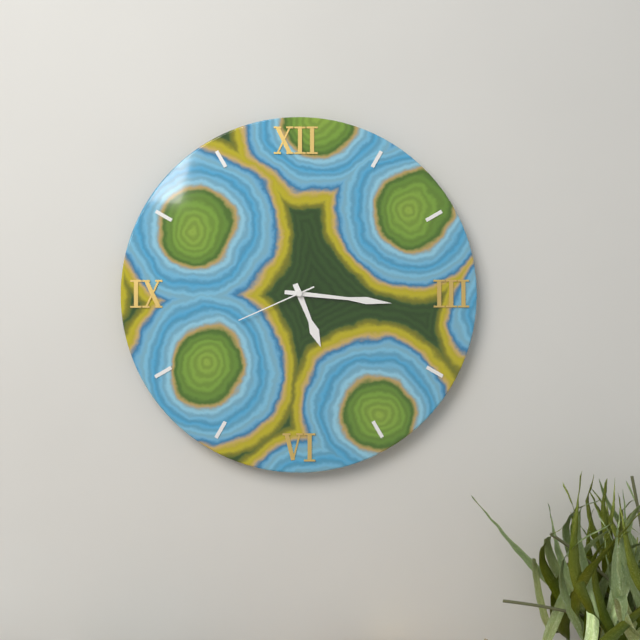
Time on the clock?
5:16:41
